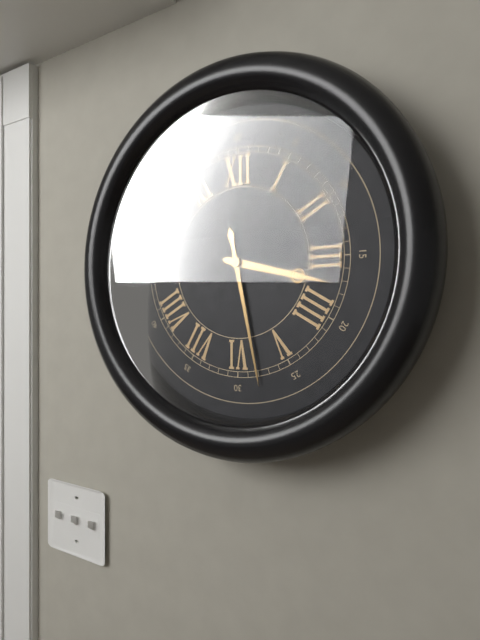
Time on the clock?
3:28
